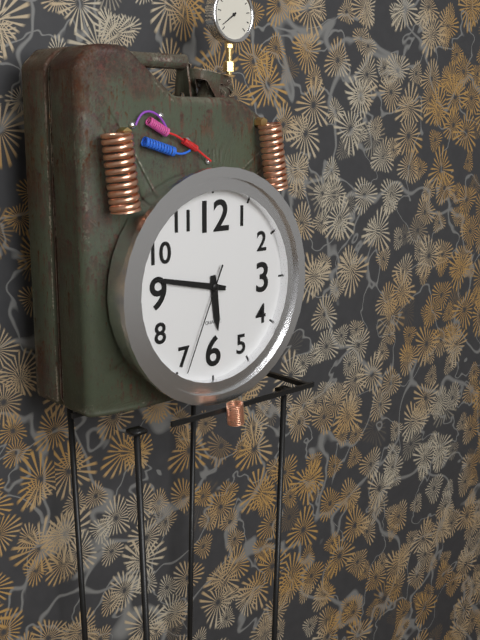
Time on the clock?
5:47:34
